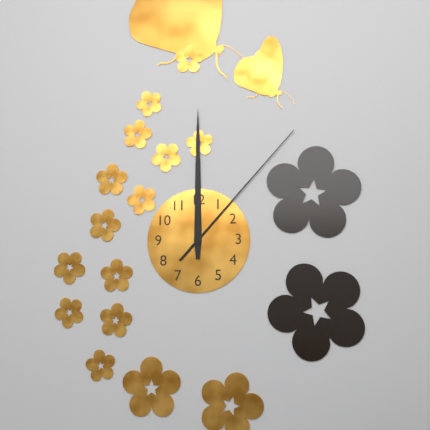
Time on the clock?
12:00:07
